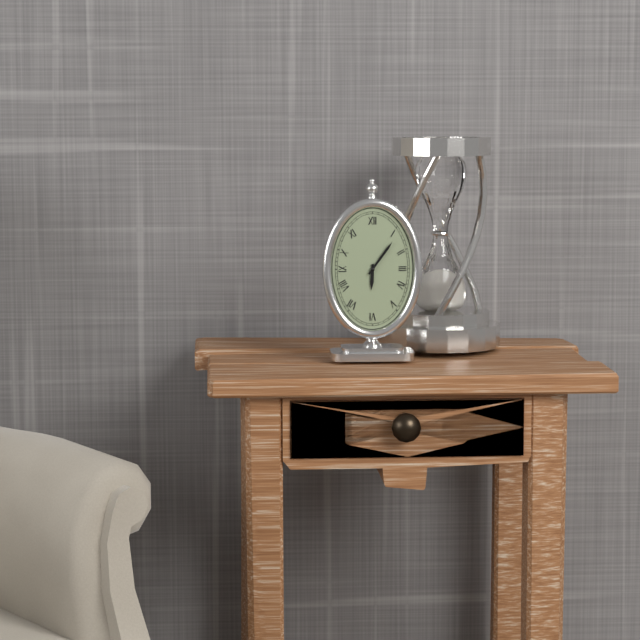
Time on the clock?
6:06
